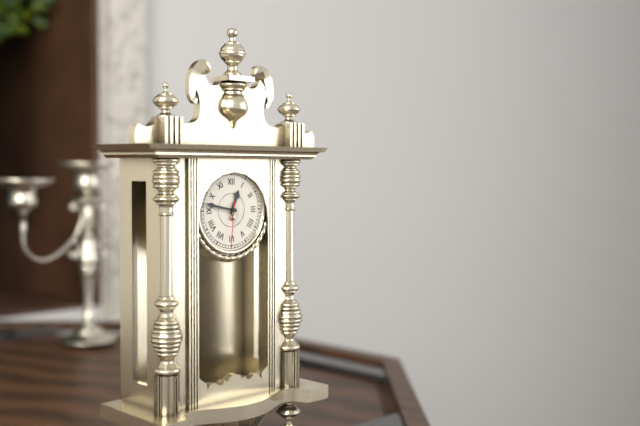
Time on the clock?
12:47
